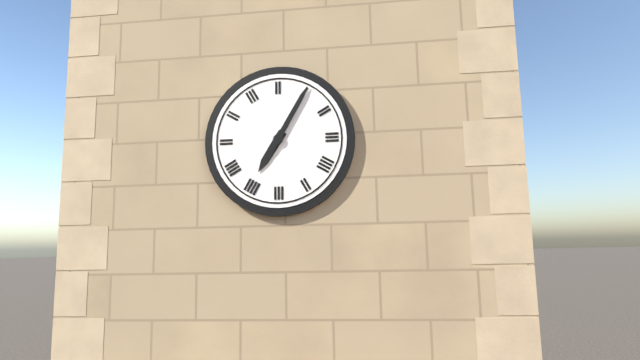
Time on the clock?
7:05
